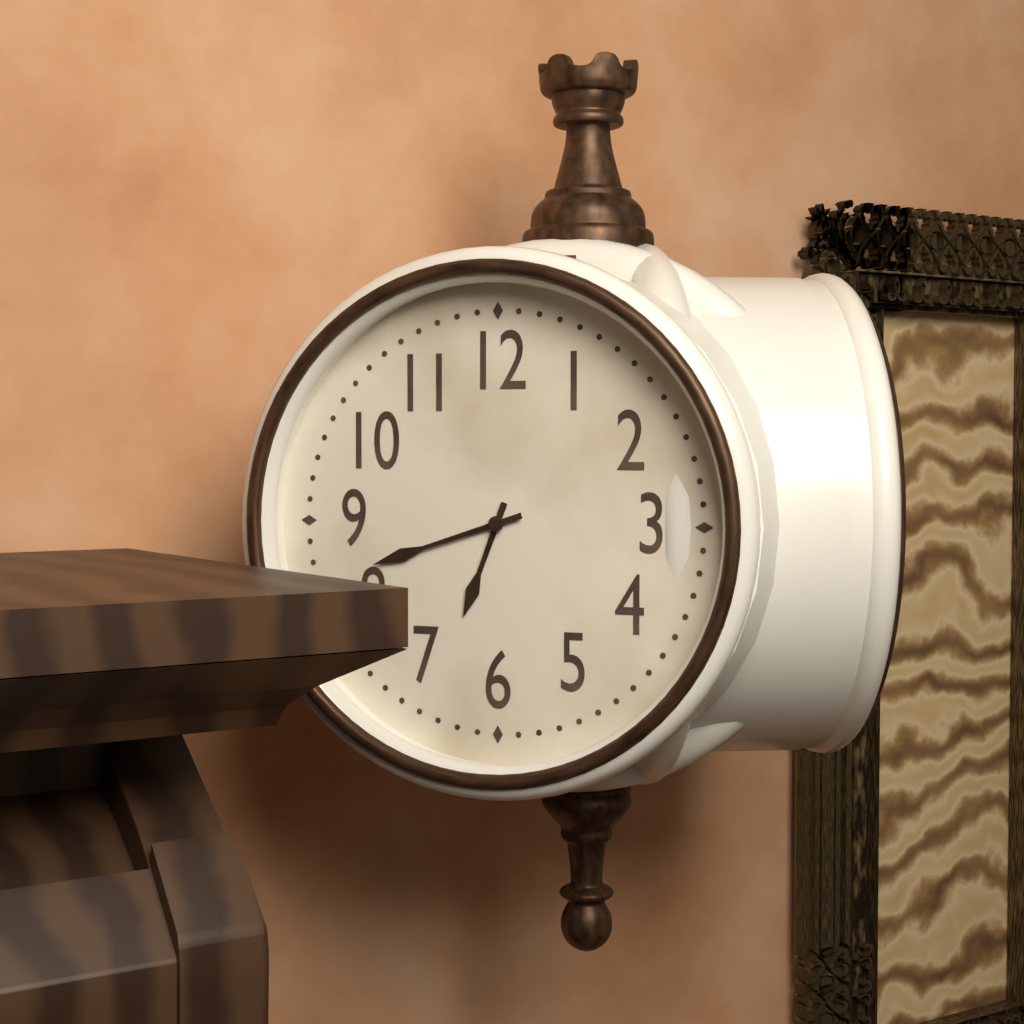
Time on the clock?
6:42
